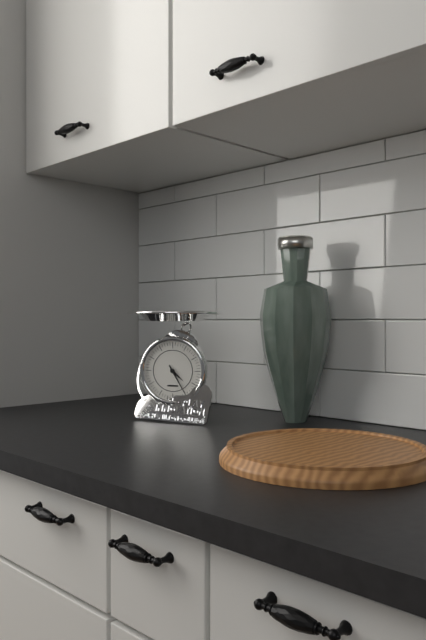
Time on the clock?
4:25
